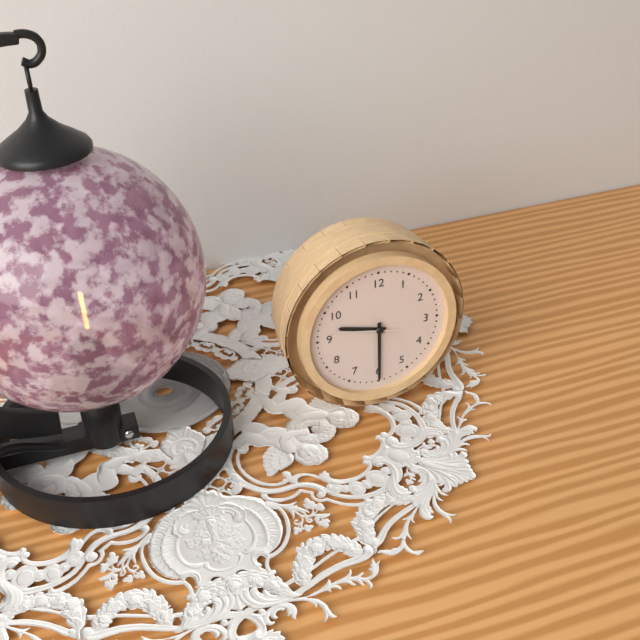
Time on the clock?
9:30:47
